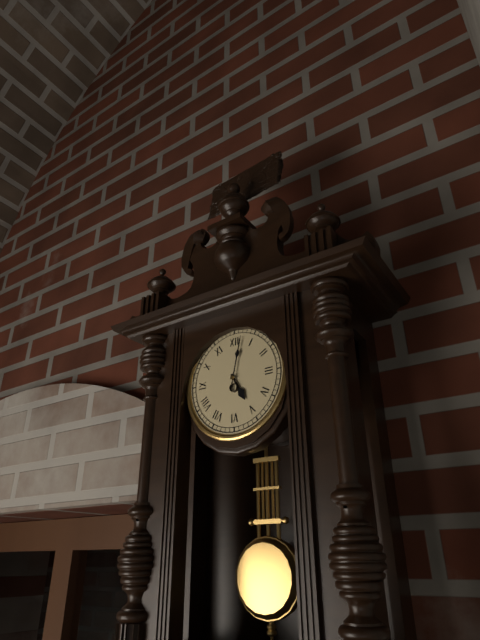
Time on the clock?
5:02
